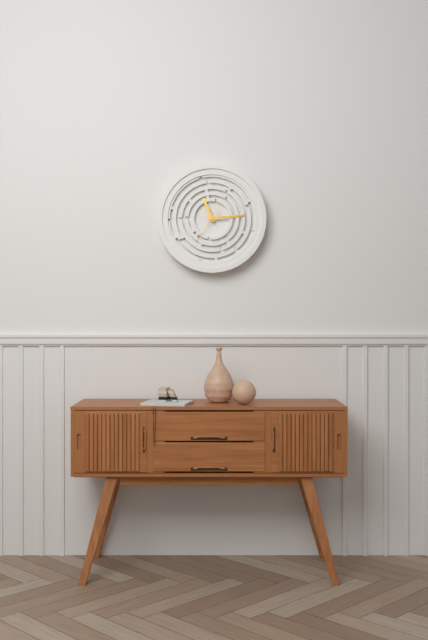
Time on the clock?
11:14
